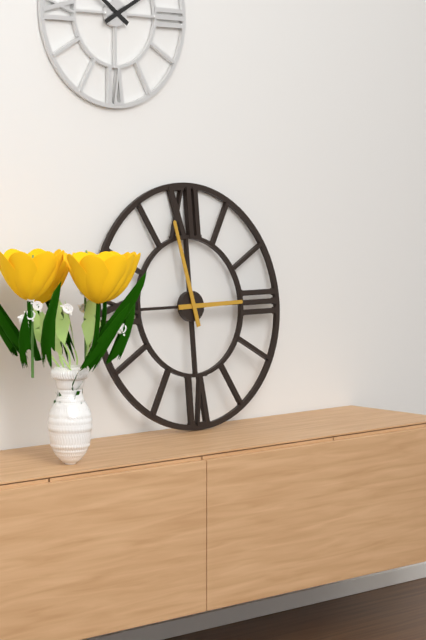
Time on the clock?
2:58
